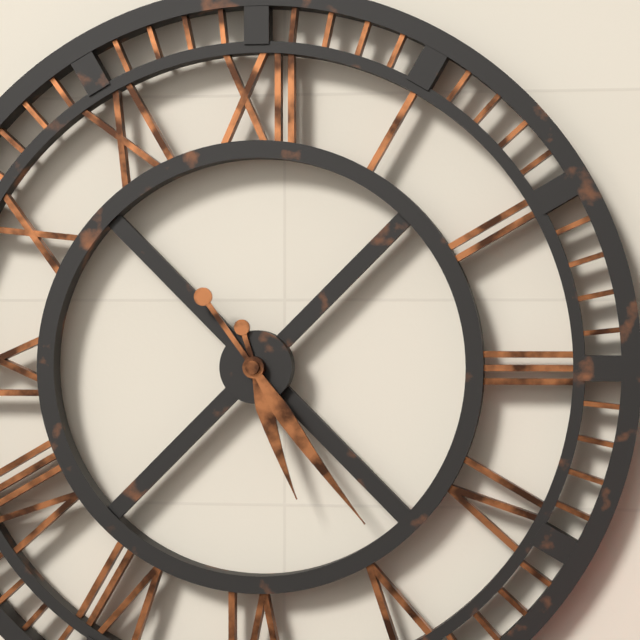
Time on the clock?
5:24
